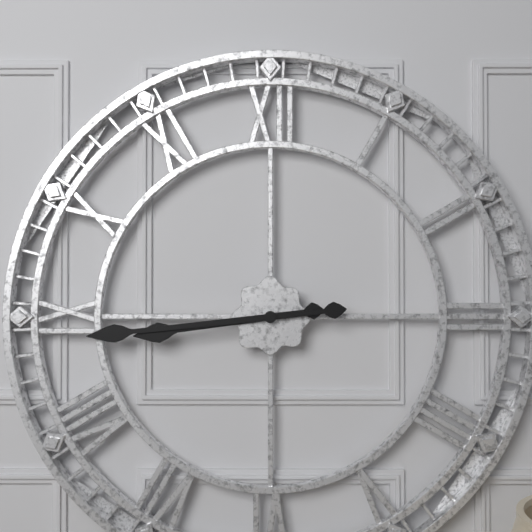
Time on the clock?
8:44
